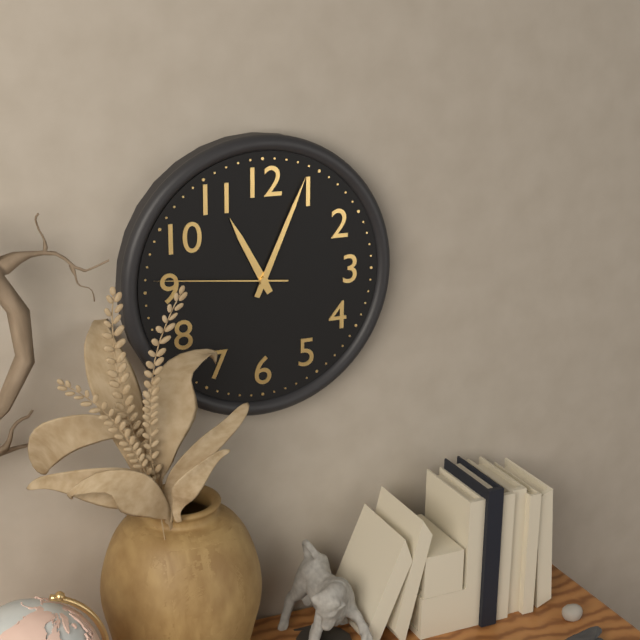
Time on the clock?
11:04:46
